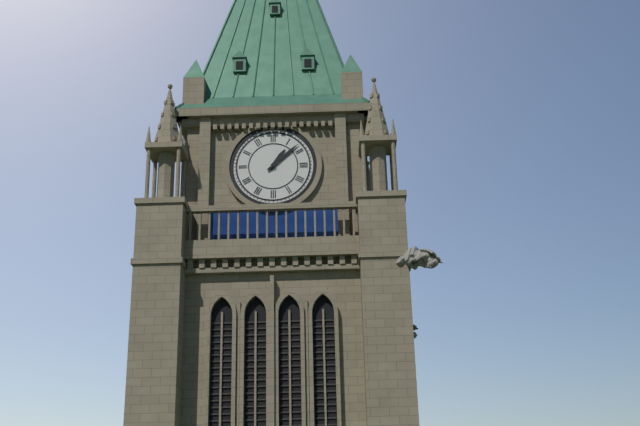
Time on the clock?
1:08
